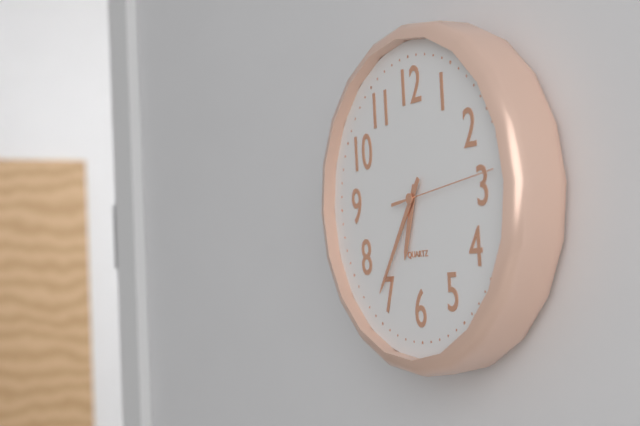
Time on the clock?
6:36:14
